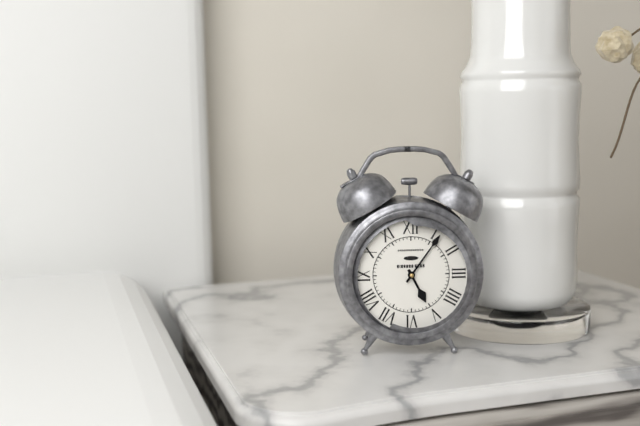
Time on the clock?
5:06
